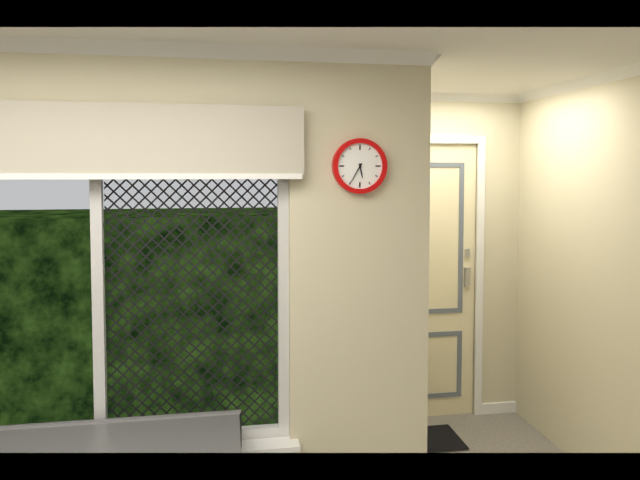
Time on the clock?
5:35
